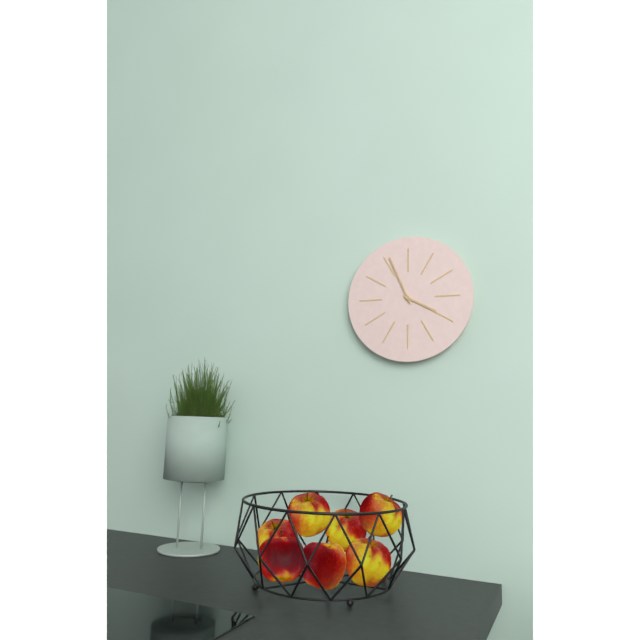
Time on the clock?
3:56
